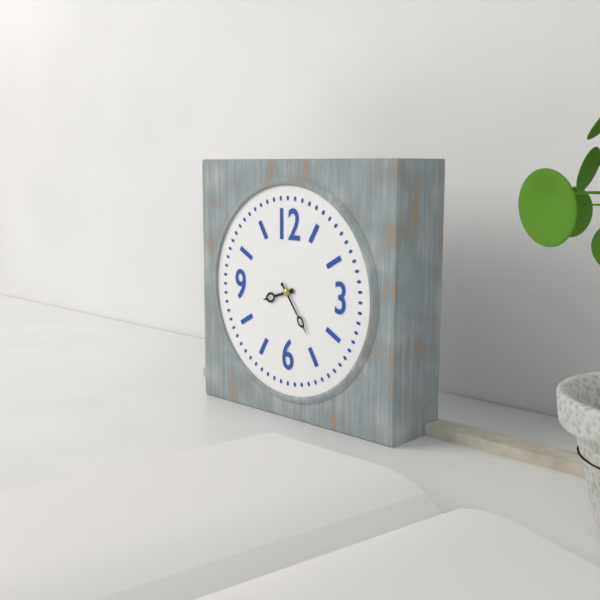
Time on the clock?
8:24
